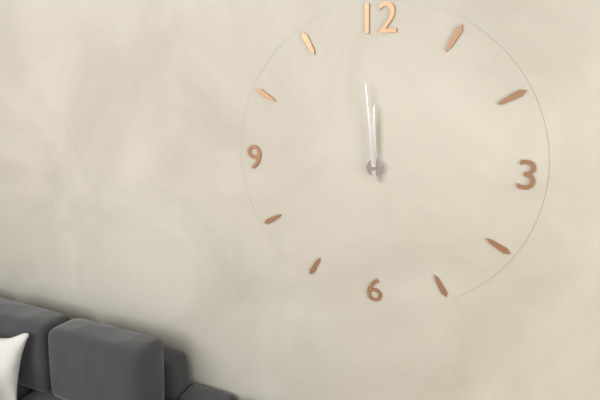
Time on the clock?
11:59
